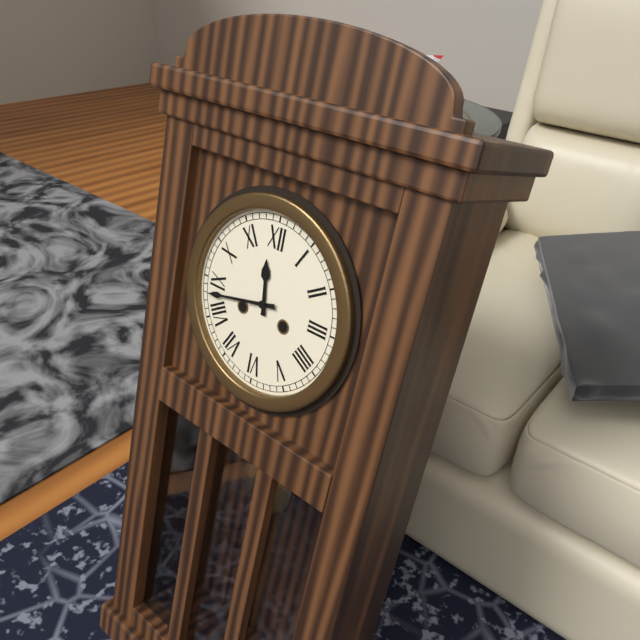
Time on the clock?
11:43
